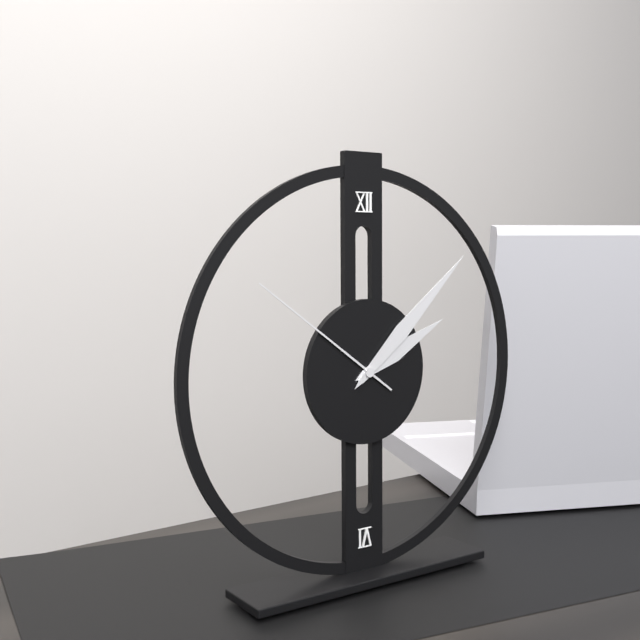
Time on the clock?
2:08:51
